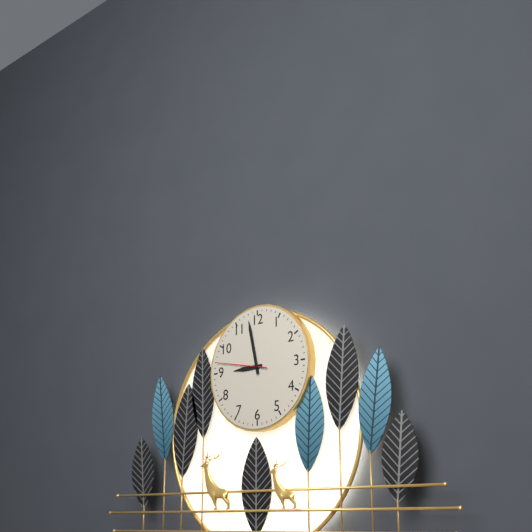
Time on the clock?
8:58:47
